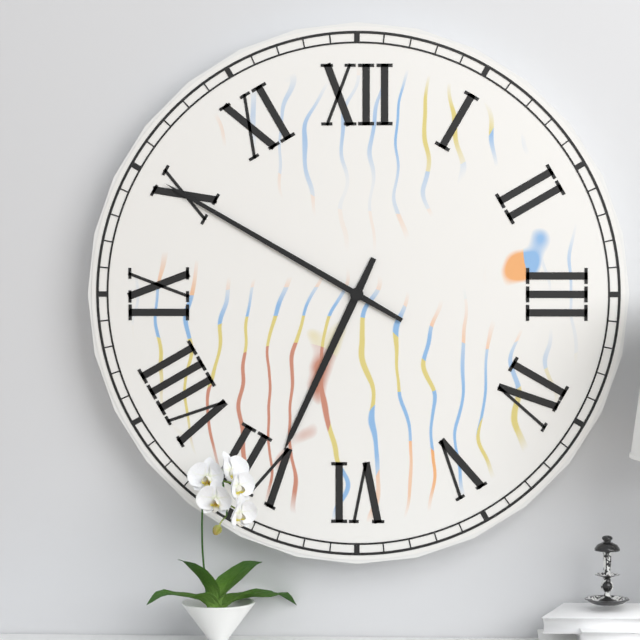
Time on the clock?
6:50
